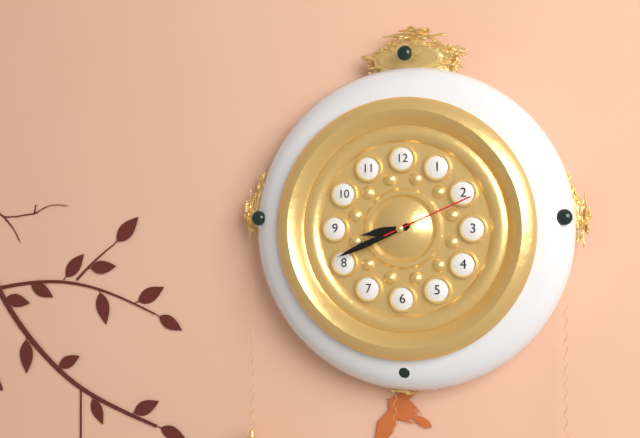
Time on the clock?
8:41:11
